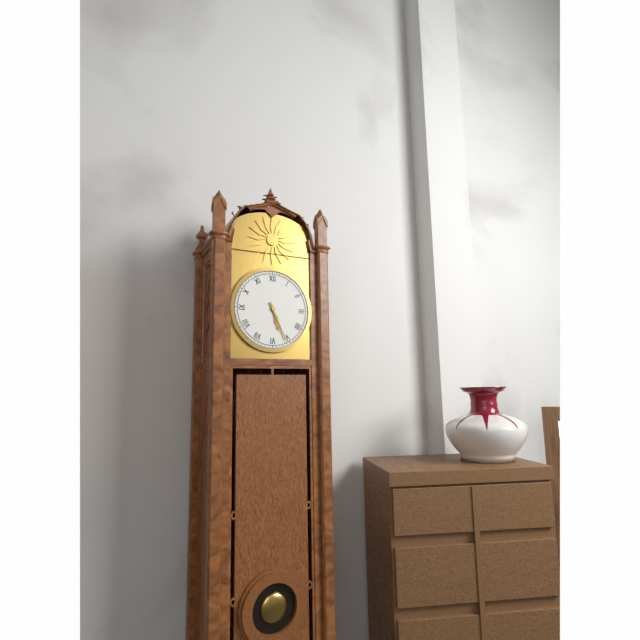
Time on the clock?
5:26
